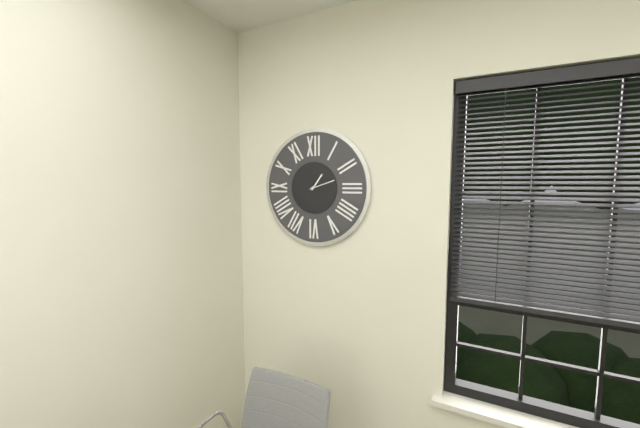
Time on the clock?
1:12
